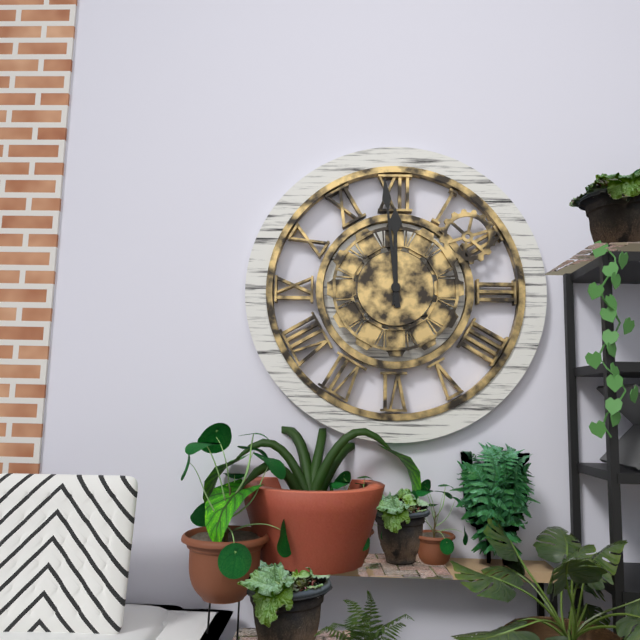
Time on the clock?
11:59
